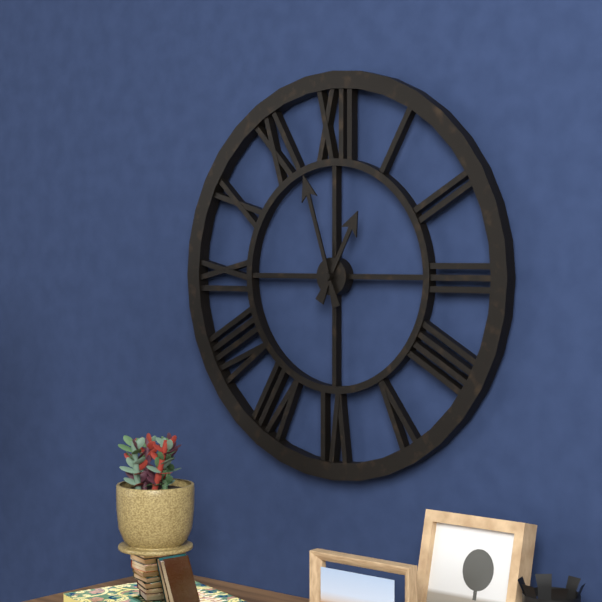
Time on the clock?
12:57
